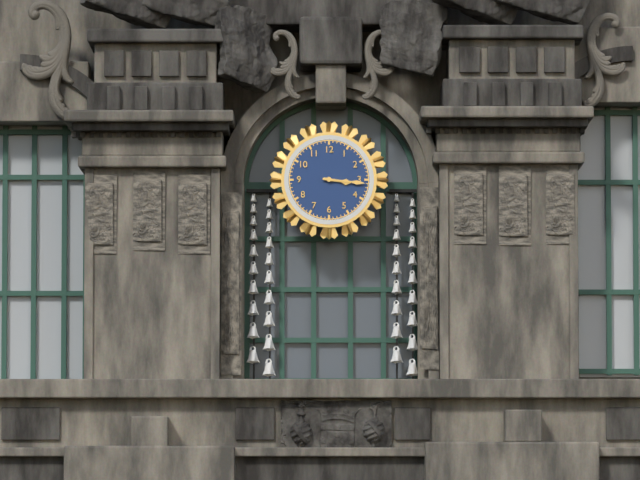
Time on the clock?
3:16
